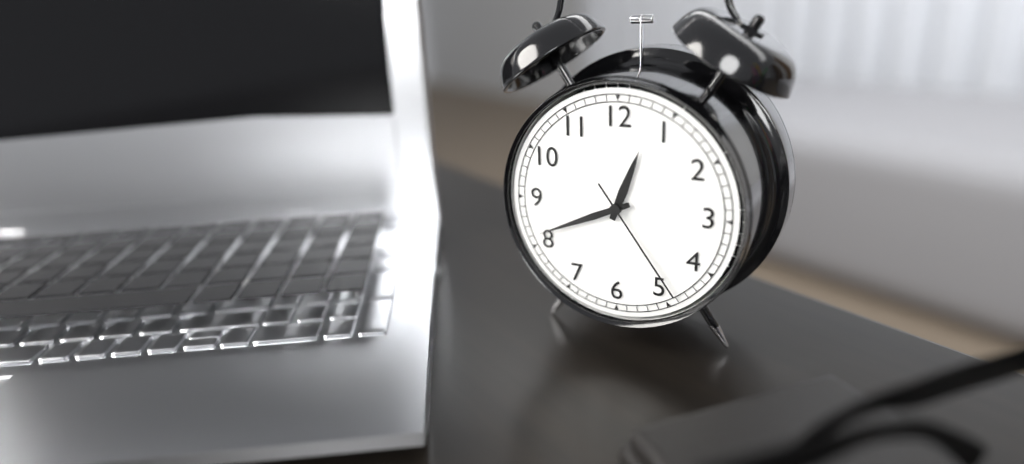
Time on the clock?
12:41:24
